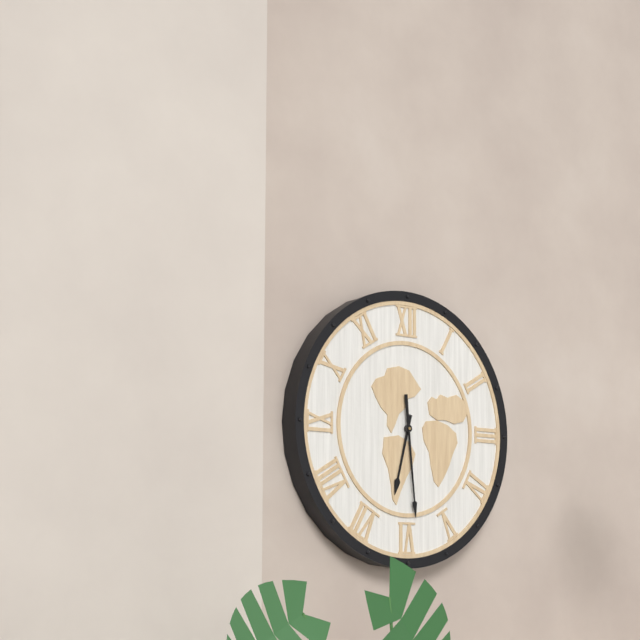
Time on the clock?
6:29
